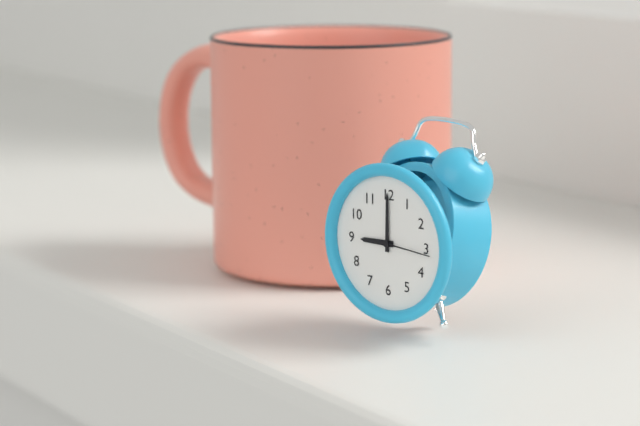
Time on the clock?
9:00:16
